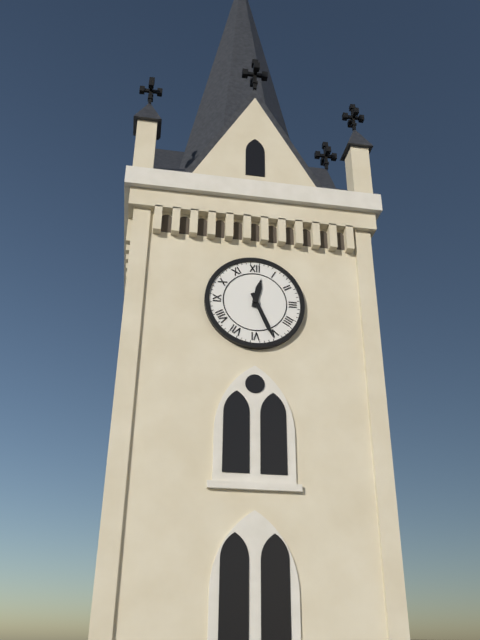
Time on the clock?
12:26
